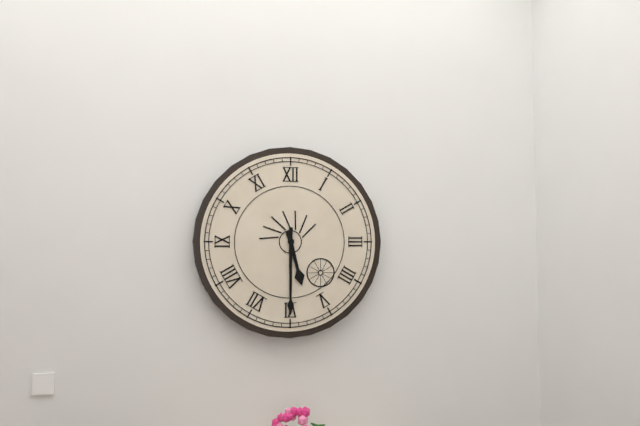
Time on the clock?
5:30
